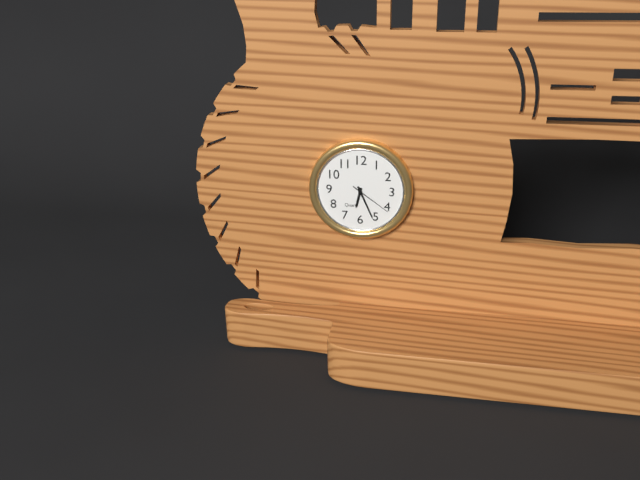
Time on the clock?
6:26
